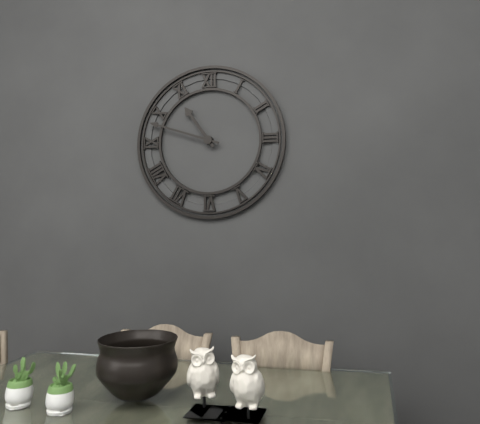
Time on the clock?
10:48
